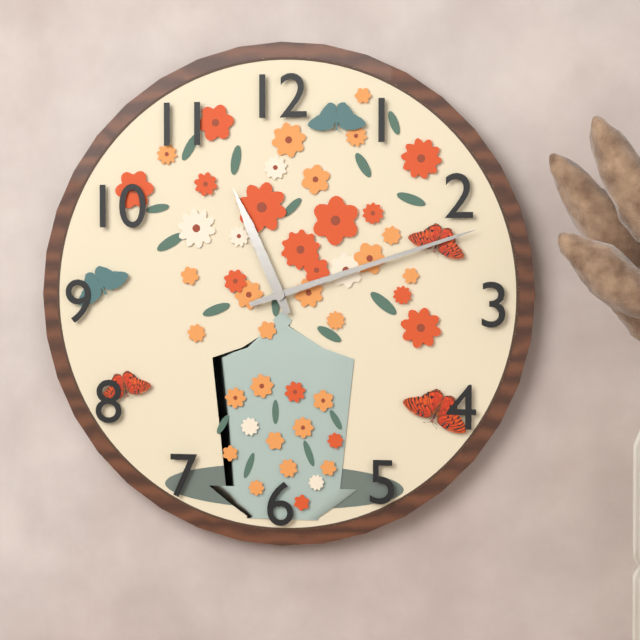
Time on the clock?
11:12
